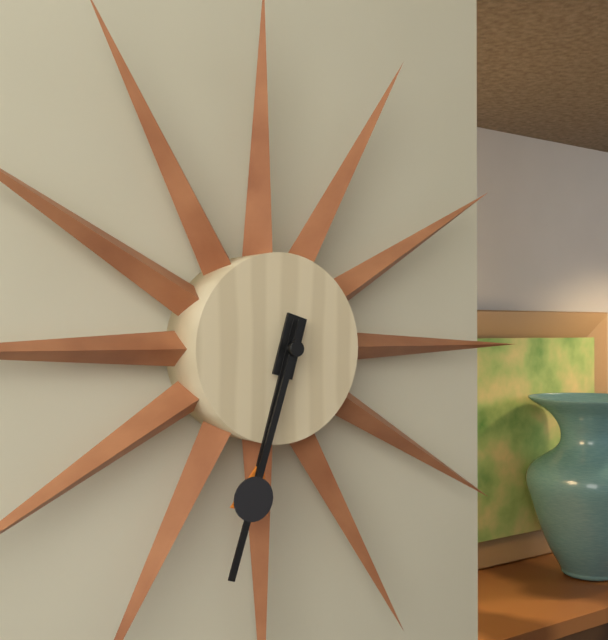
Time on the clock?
6:33
